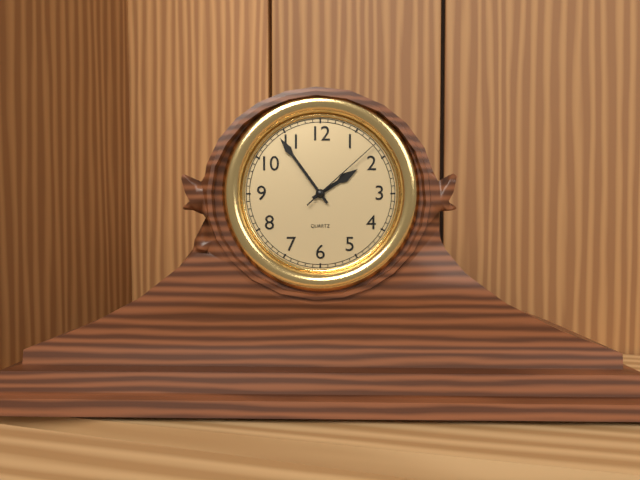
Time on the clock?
1:54:08
